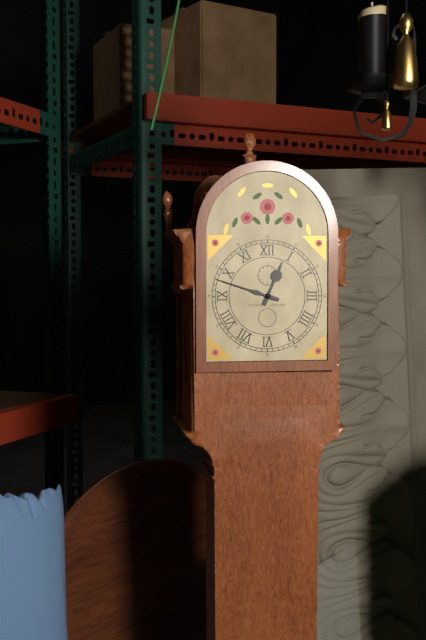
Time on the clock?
12:48
